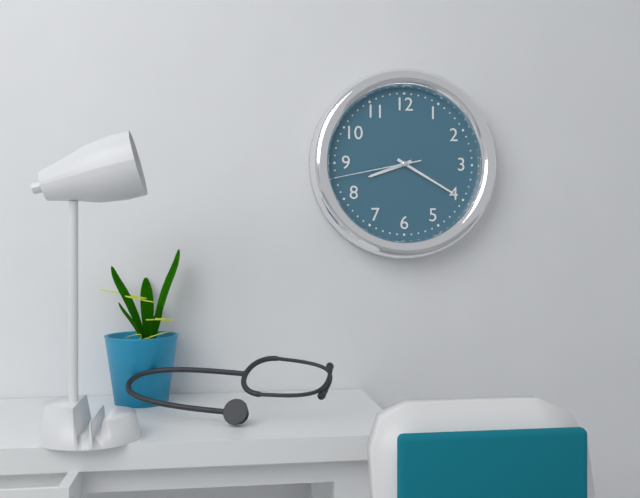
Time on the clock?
8:20:43
